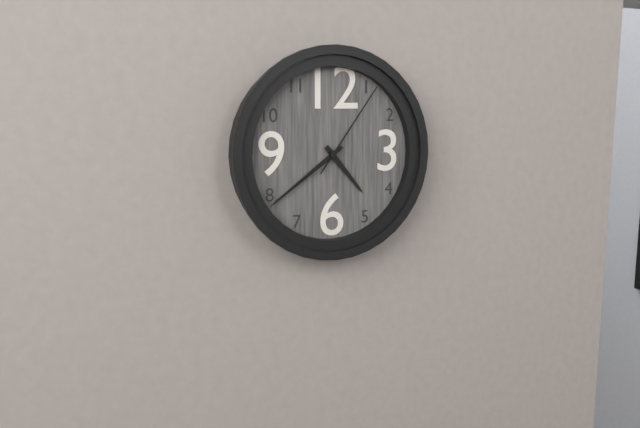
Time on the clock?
4:39:06
